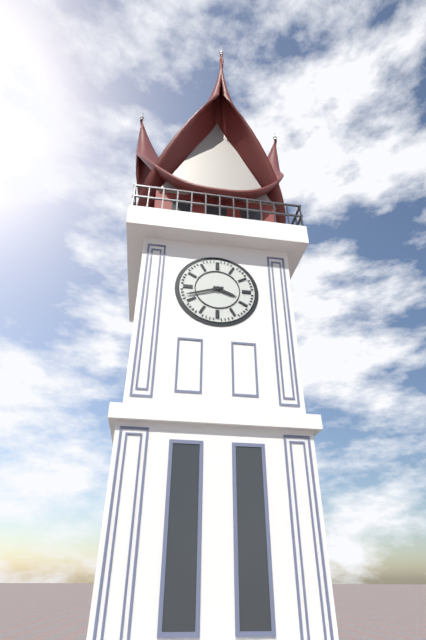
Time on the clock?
3:42
